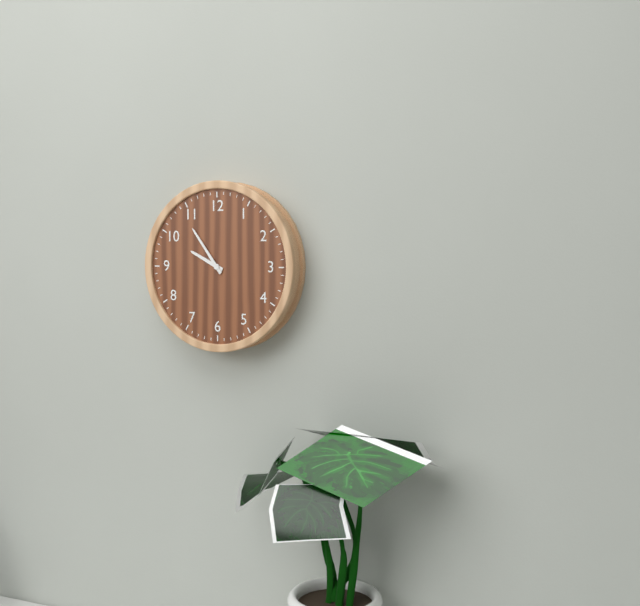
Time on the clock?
9:54
